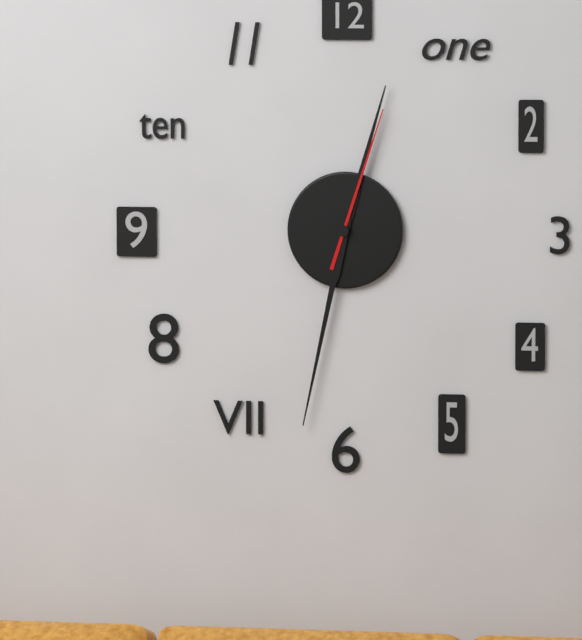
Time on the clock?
12:32:03
